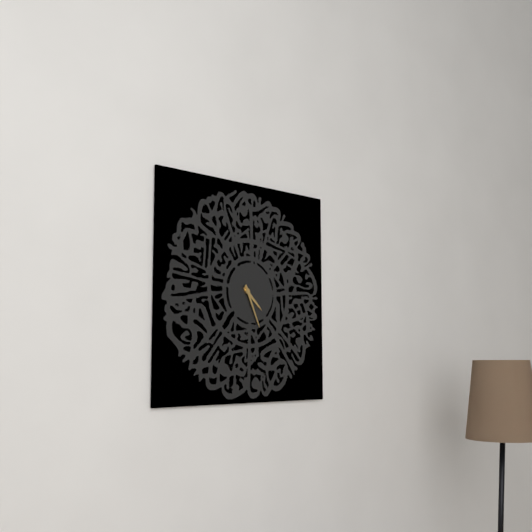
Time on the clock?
4:26
